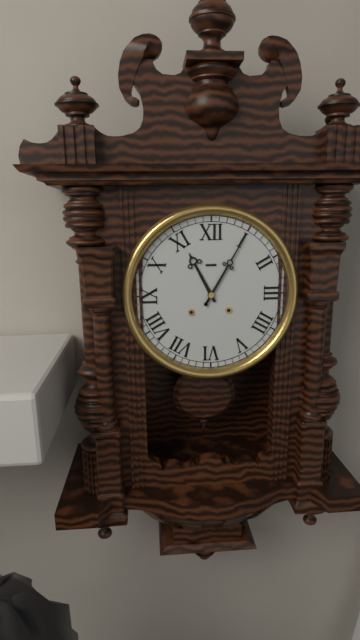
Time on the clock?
11:05
